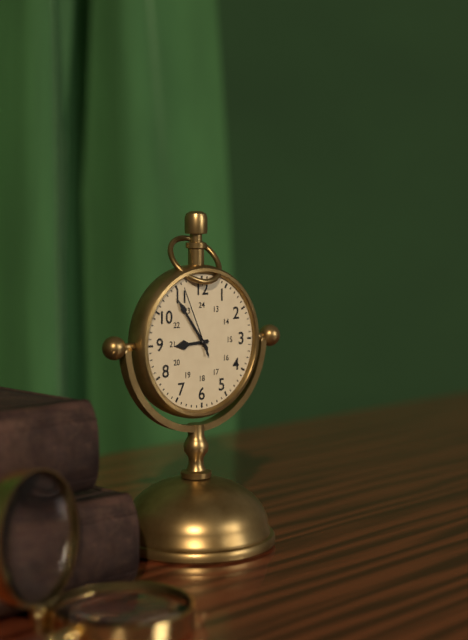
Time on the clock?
8:54:56
